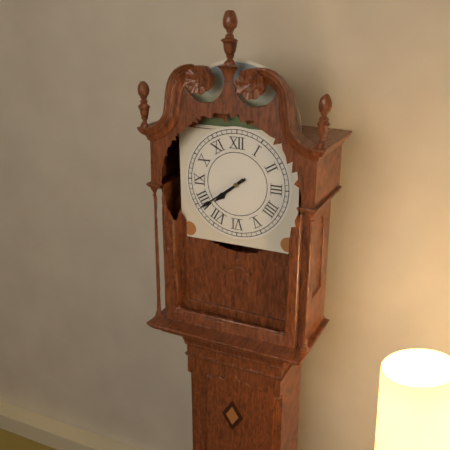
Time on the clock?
7:39
